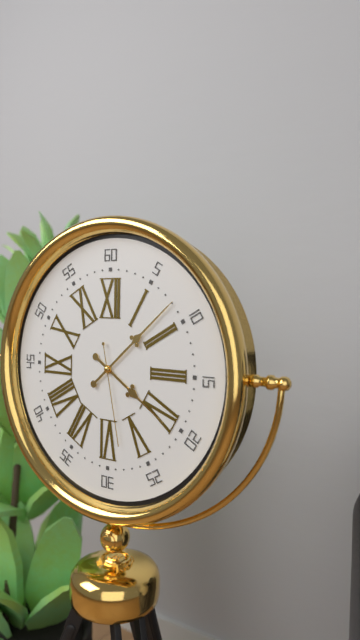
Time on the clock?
4:08:28
